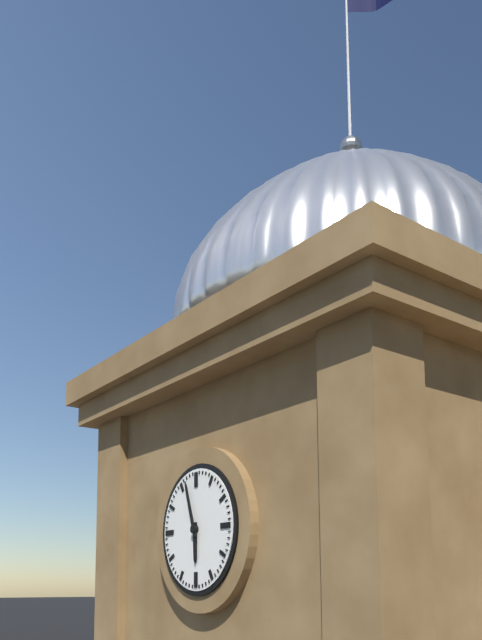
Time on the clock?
5:57
